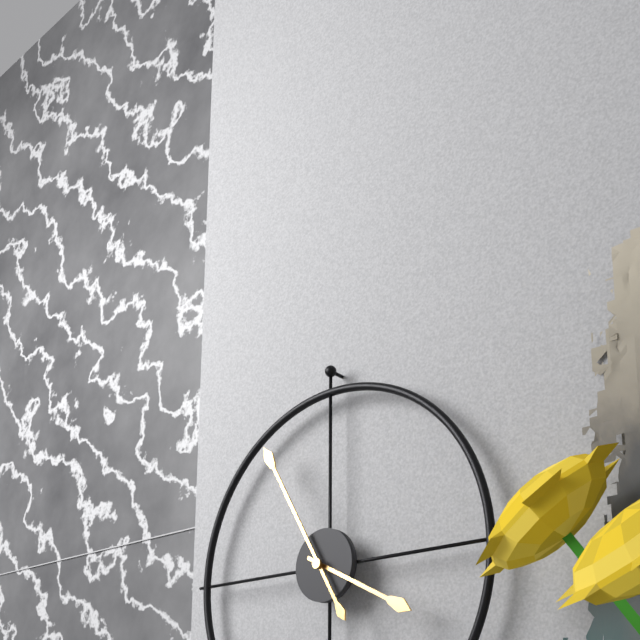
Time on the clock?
3:55
